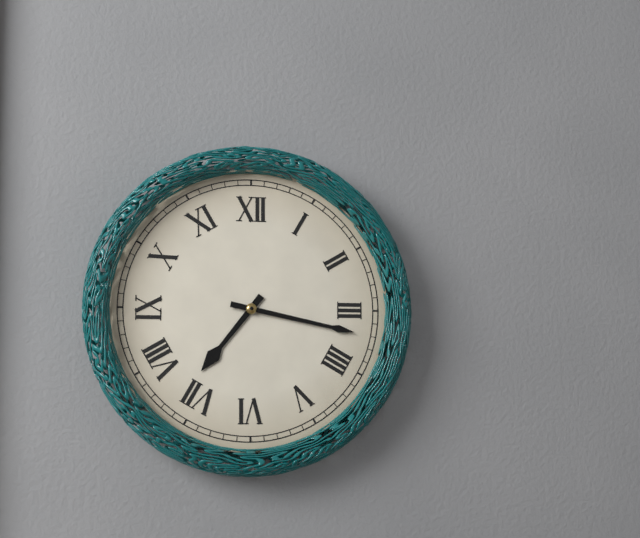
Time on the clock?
7:17
